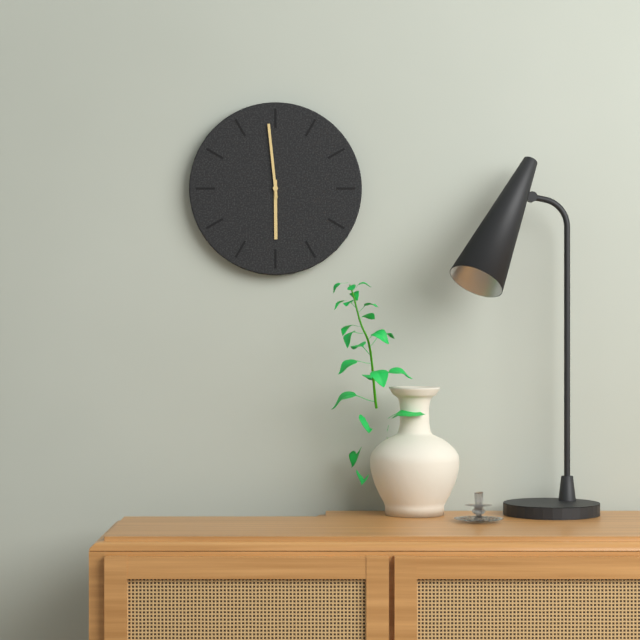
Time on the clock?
5:59
